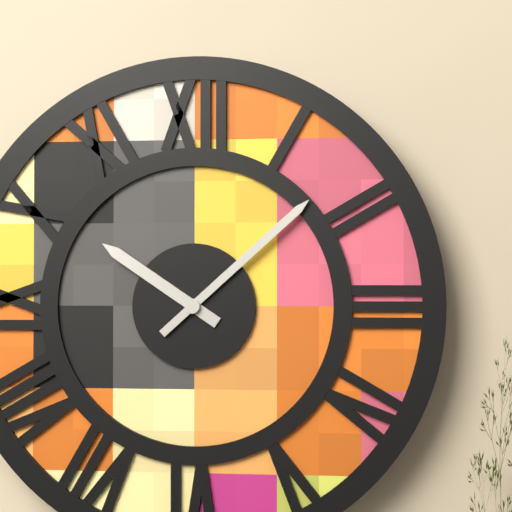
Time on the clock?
10:08
